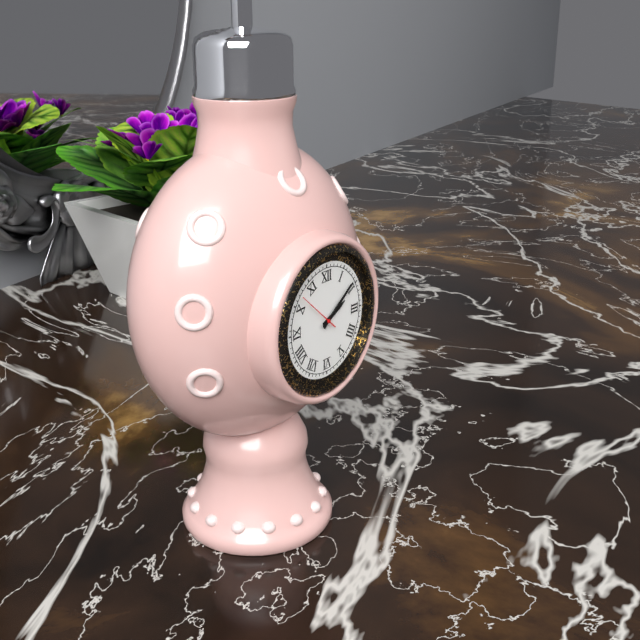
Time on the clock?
2:09
